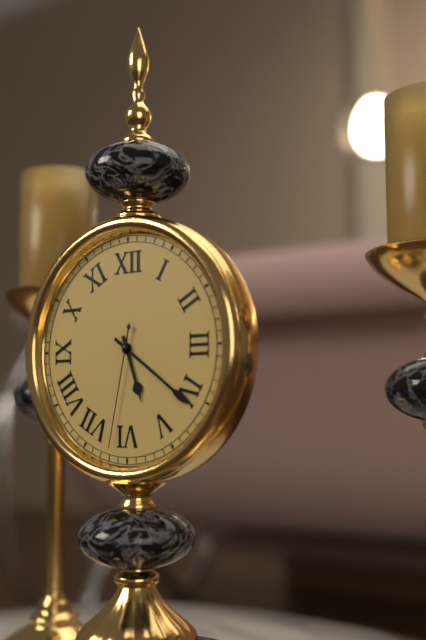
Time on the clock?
5:21:32
